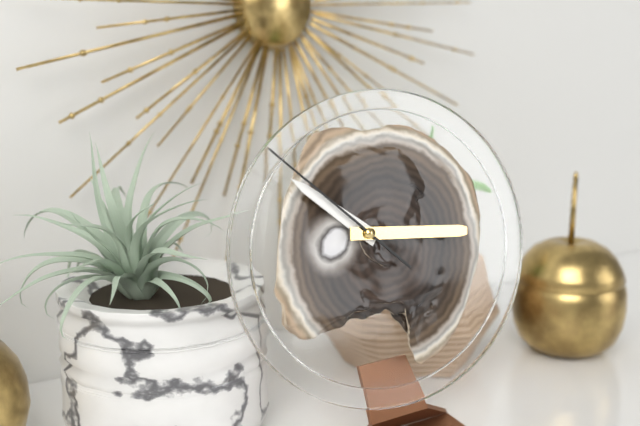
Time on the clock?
10:16:52
